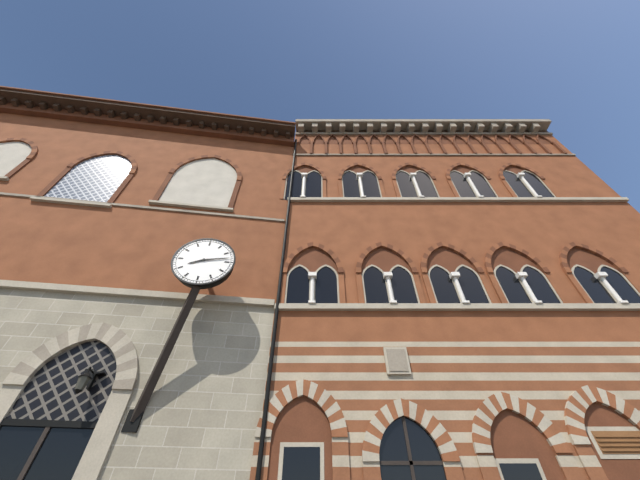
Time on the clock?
8:13
